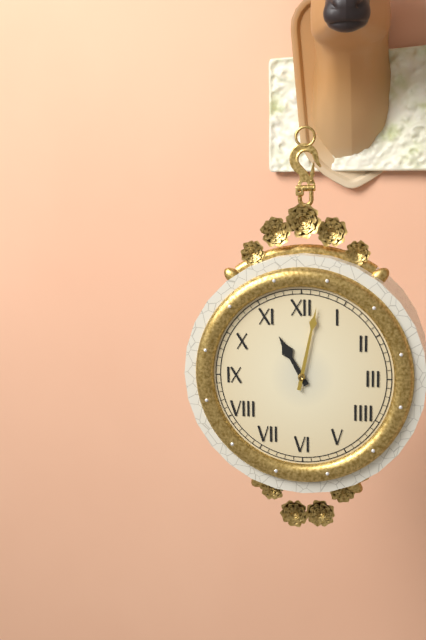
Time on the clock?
11:02
